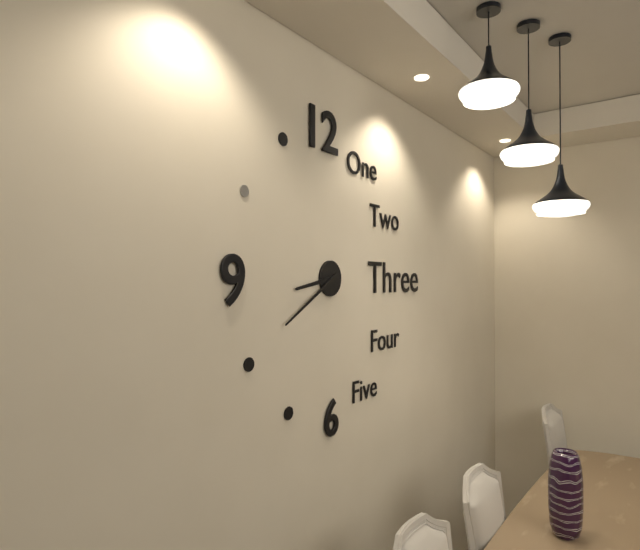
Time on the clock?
8:40
